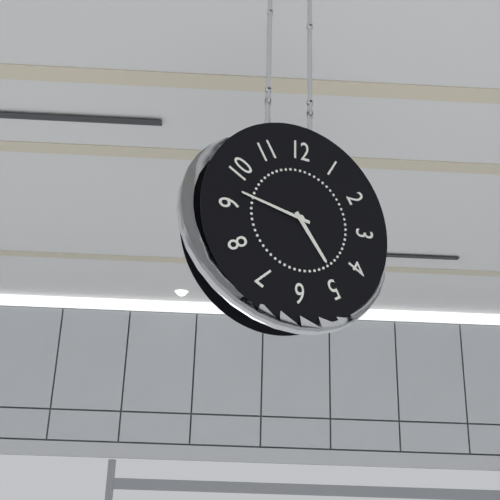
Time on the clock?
4:47
